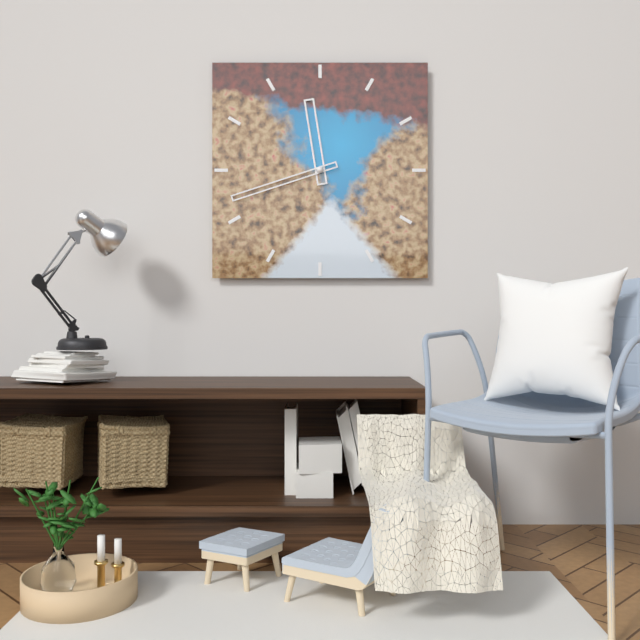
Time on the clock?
11:42
